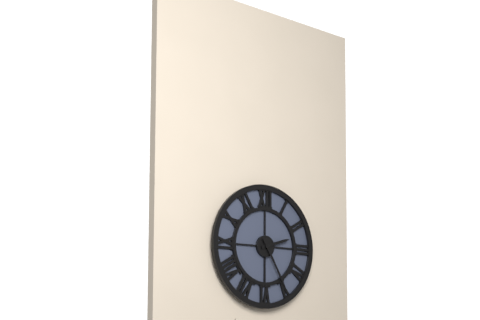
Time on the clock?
2:25
